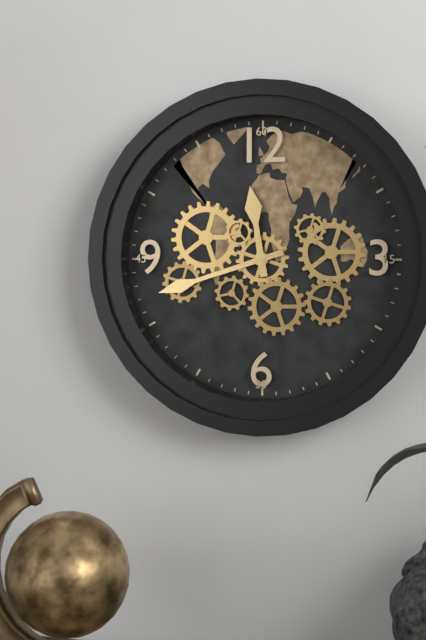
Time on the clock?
11:42
